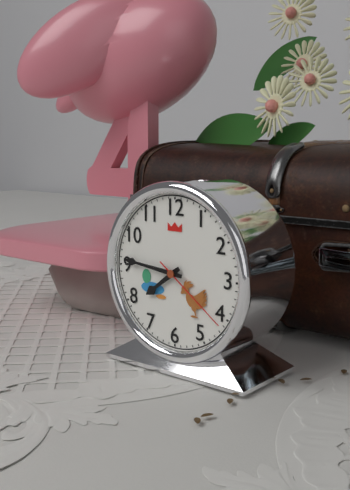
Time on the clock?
7:46:21
